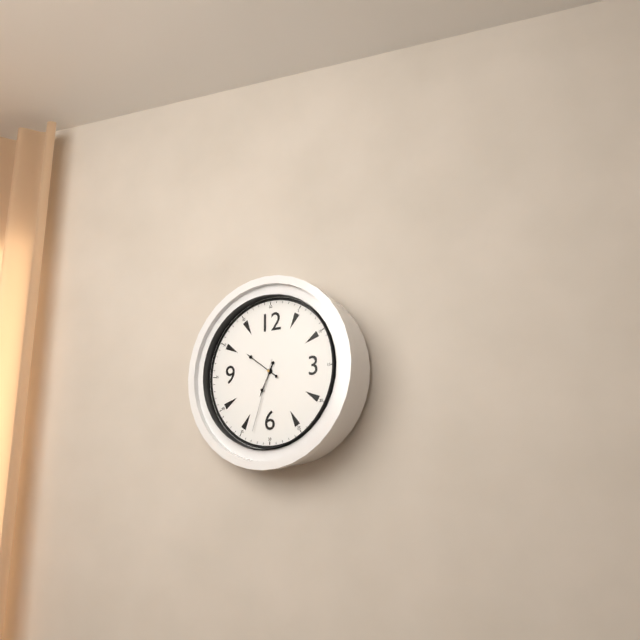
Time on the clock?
6:51:33
